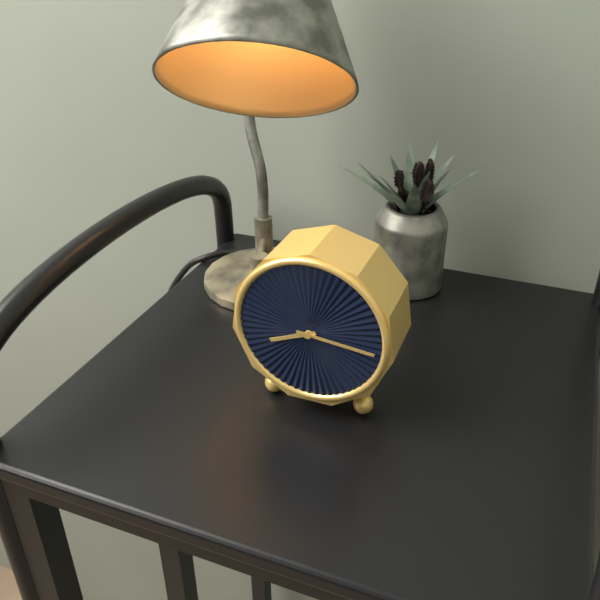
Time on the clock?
8:16
